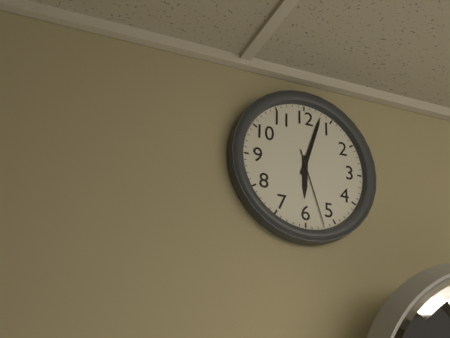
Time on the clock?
6:03:27
